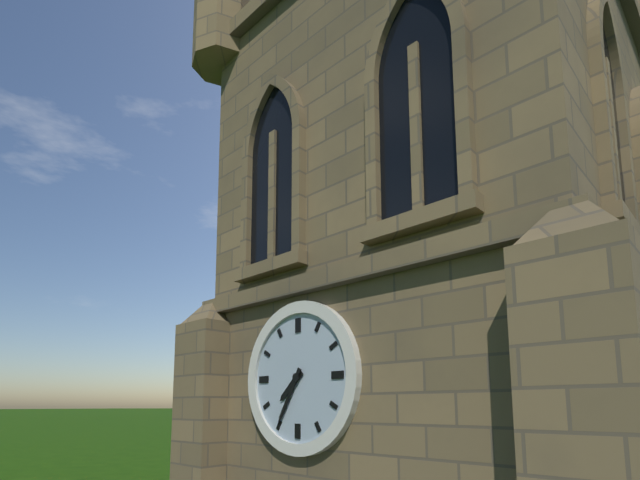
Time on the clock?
7:35
